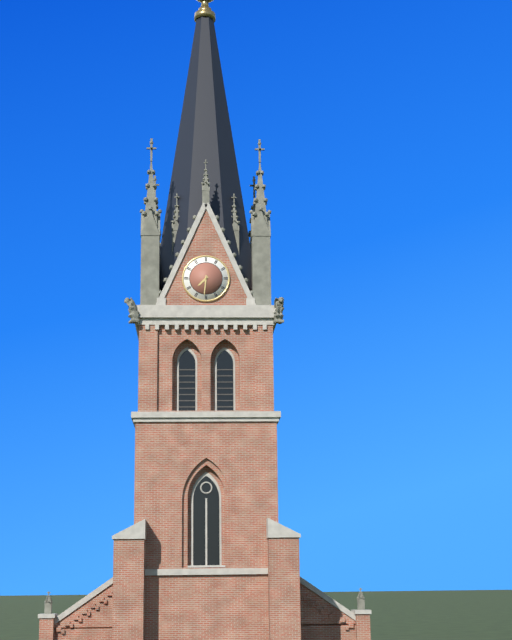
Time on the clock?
7:31
